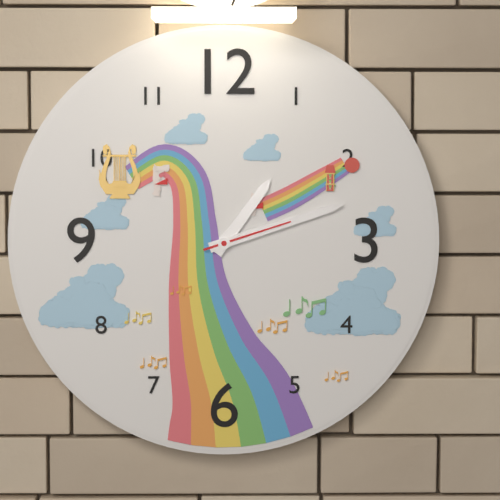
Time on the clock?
1:12:12
